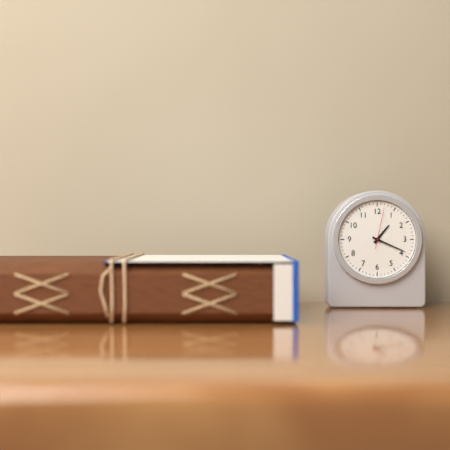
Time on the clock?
1:19
